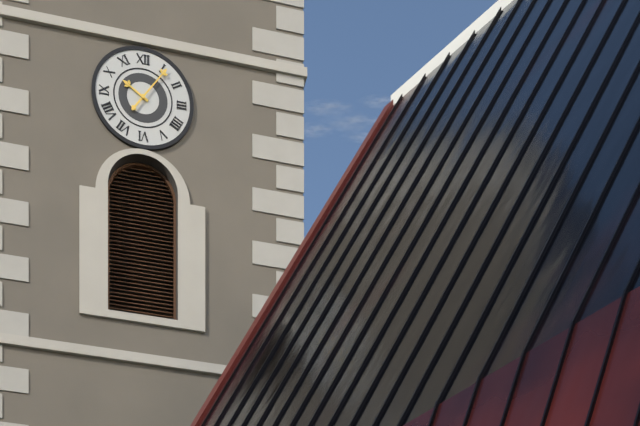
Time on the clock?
10:06
